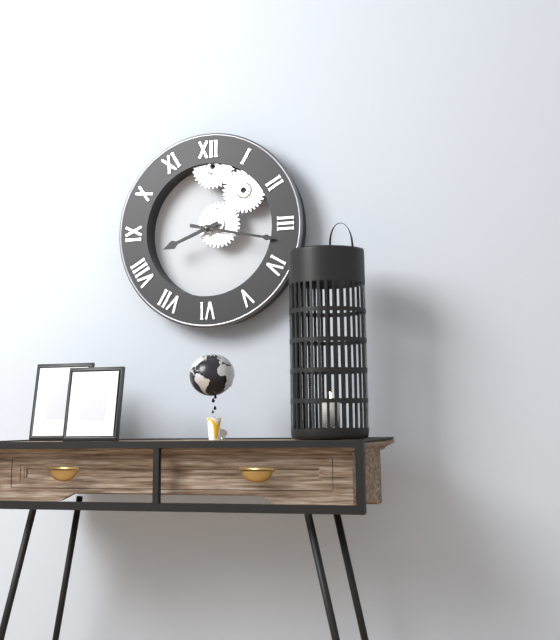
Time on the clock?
8:17
